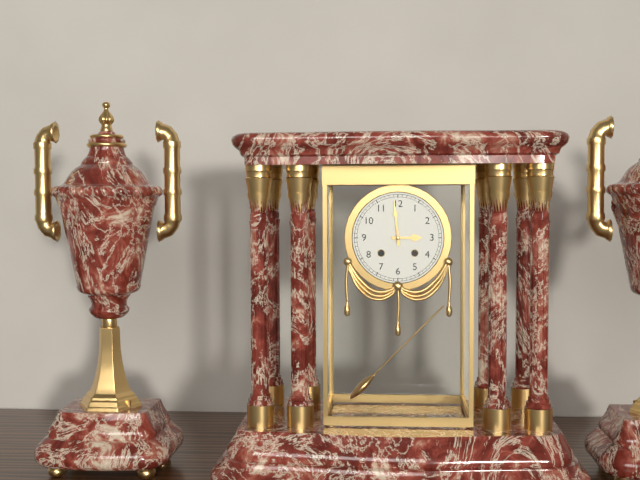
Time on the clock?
2:59
